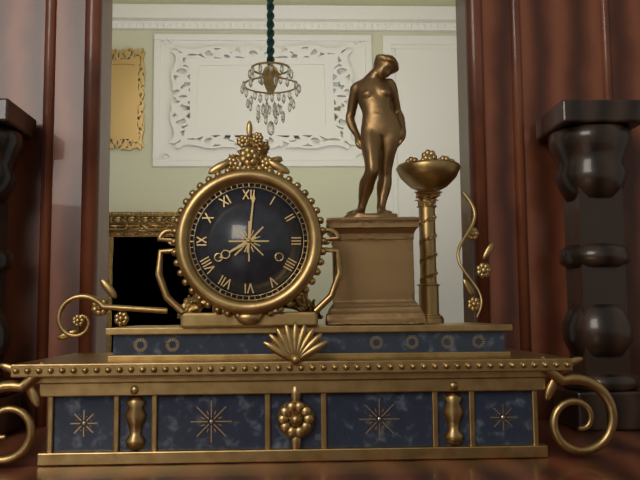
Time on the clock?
8:01
